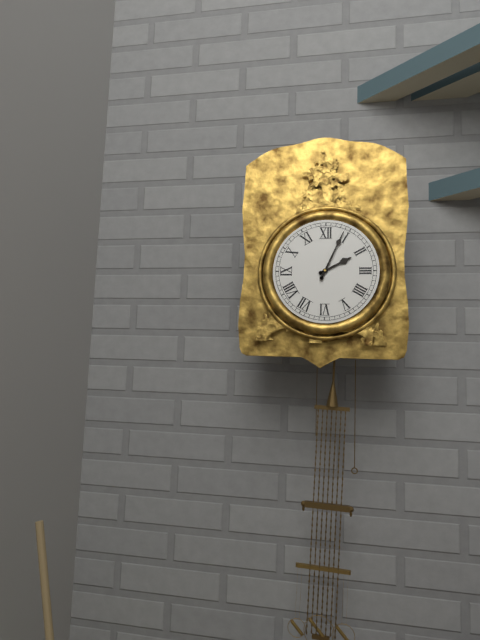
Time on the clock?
2:04
